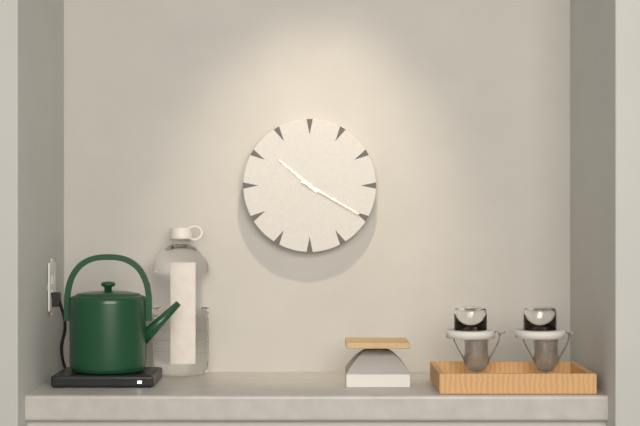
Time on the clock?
10:20
